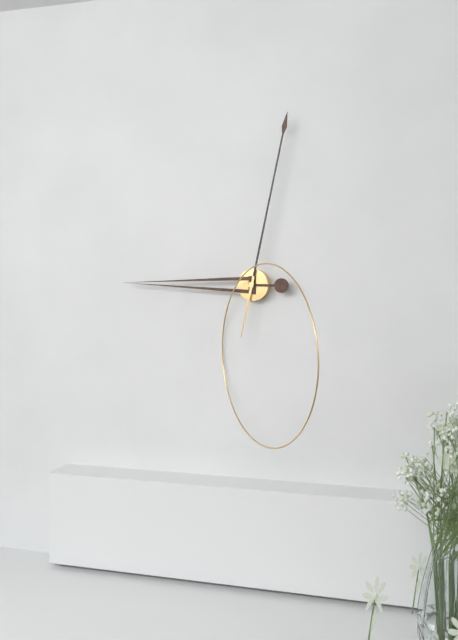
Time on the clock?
9:02
